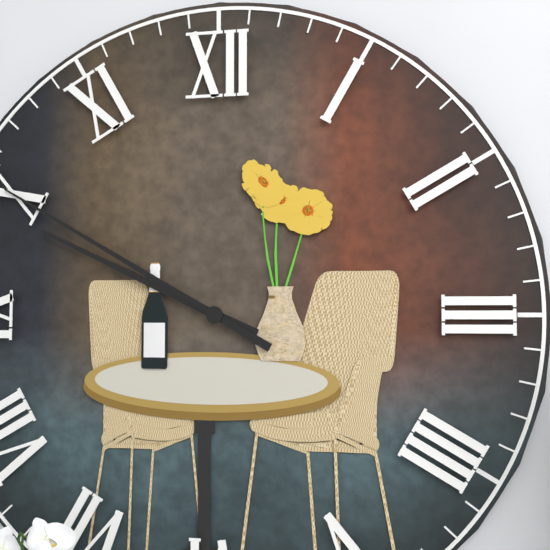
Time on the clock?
9:50
